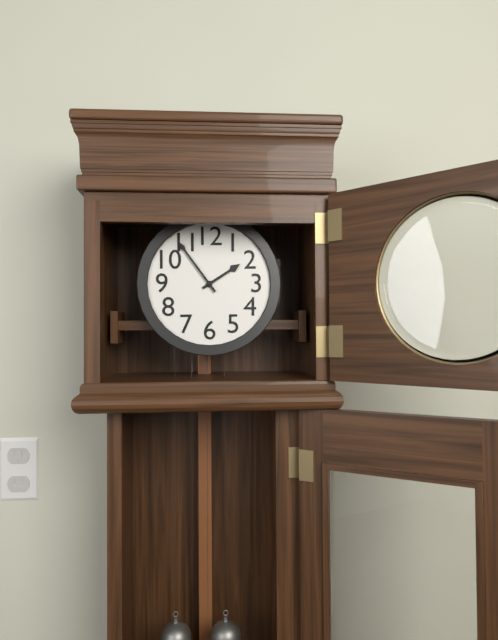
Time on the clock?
1:54
